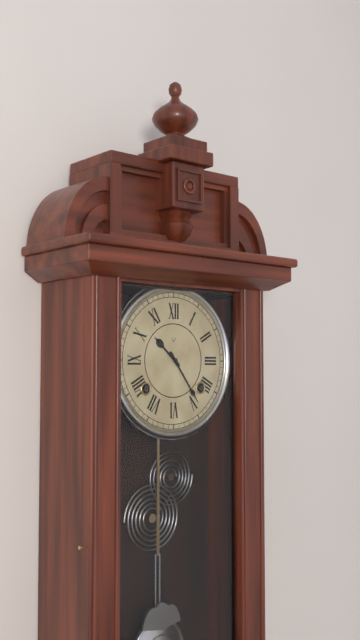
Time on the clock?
10:24
